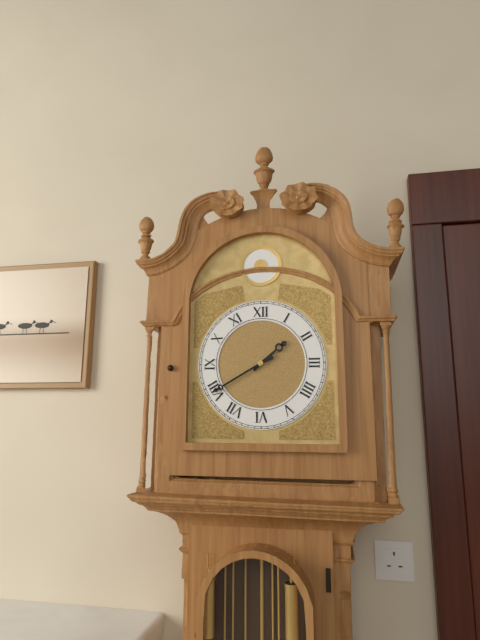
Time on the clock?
1:40
